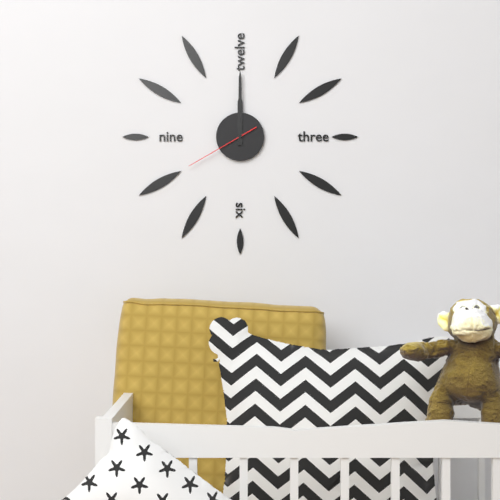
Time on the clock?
12:00:40
